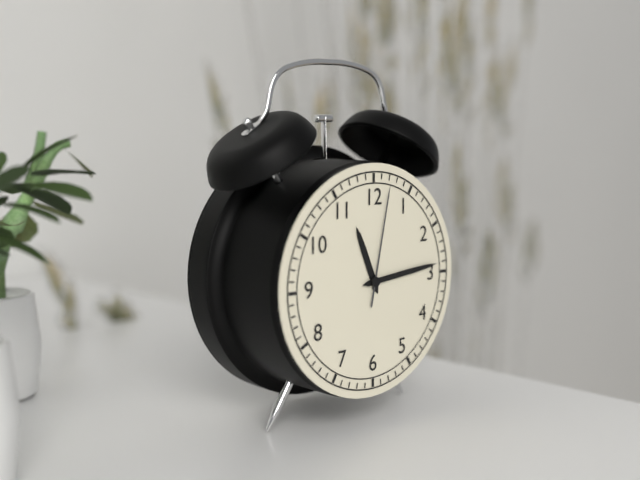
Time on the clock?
11:14:02
